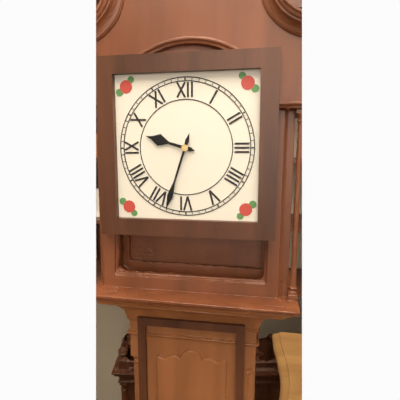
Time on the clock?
9:33
